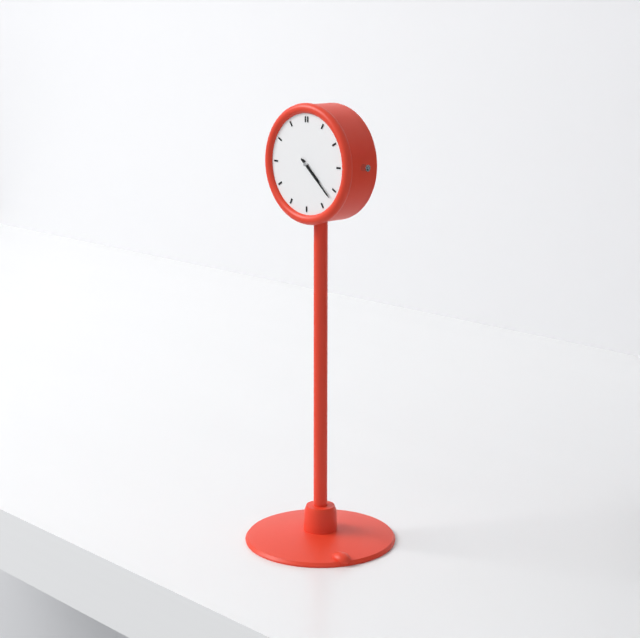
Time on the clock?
4:22
